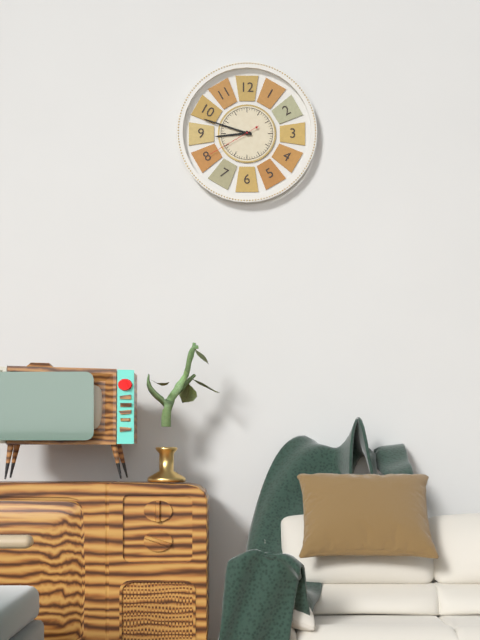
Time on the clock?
8:48:40
